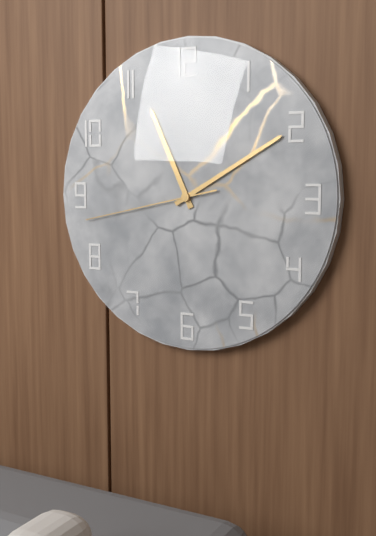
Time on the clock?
11:10:43
